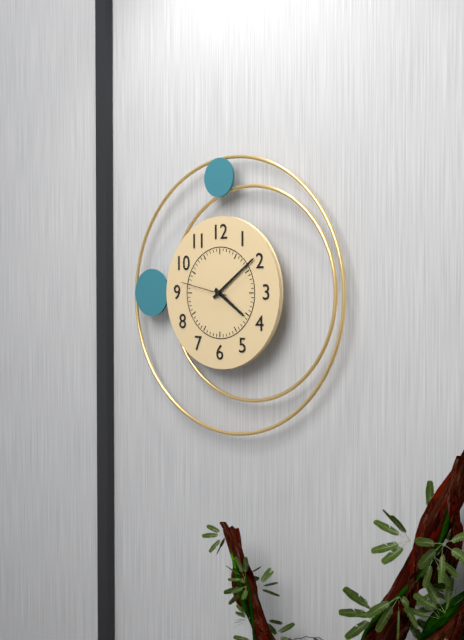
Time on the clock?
4:09:47
